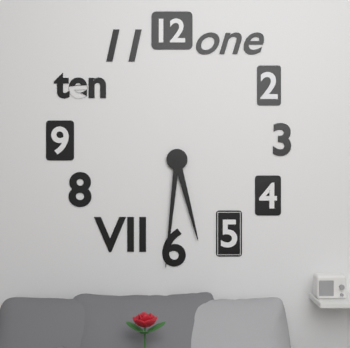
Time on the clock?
5:31
